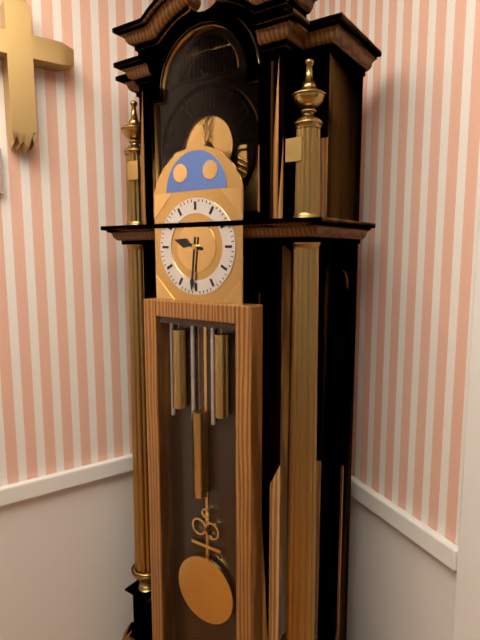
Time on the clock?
9:31
